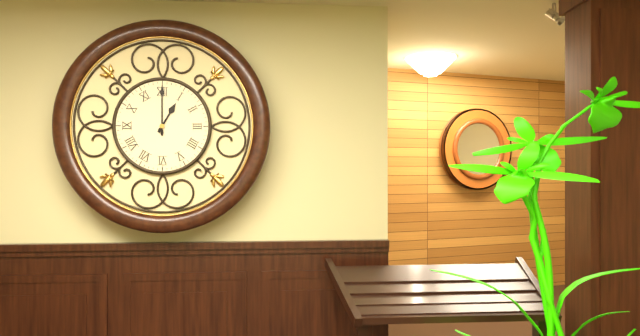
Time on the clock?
1:00
